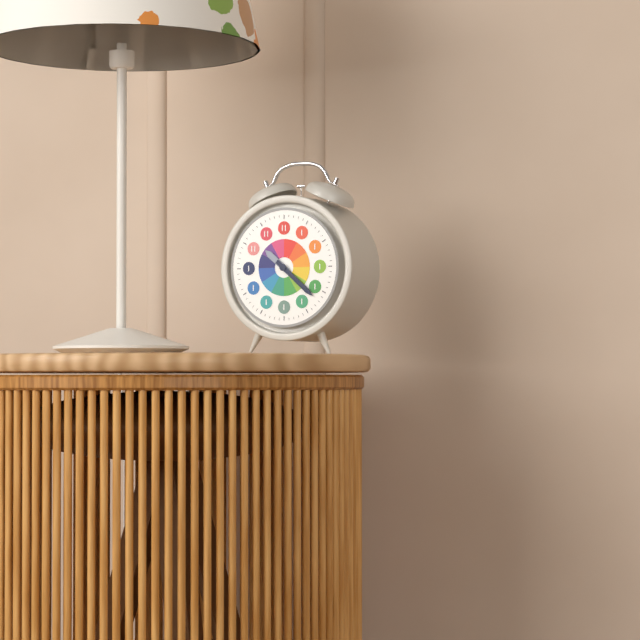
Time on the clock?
10:22
